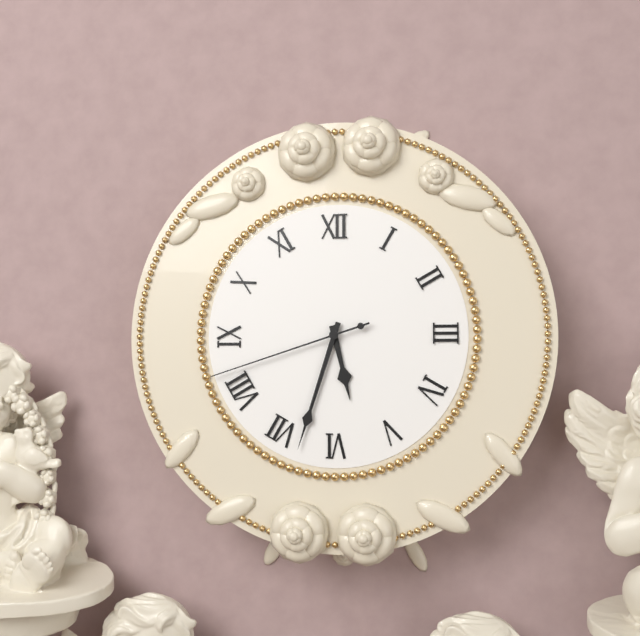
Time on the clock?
5:33:42
